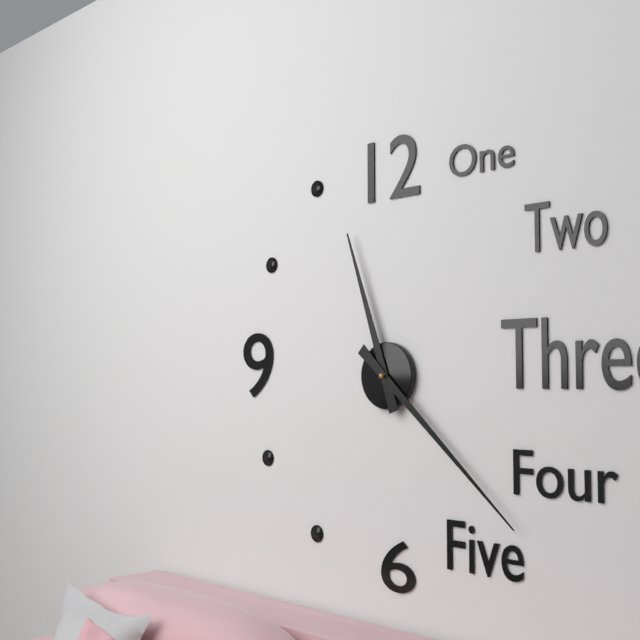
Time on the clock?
11:22
